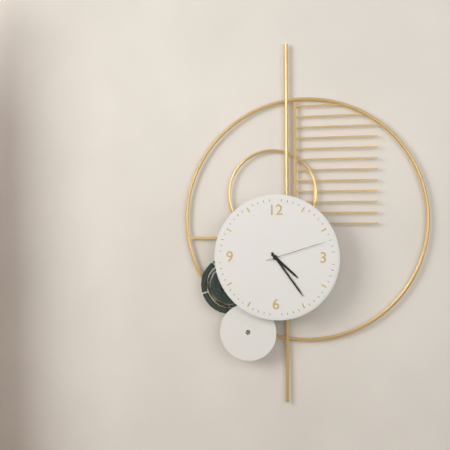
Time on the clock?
4:24:12
